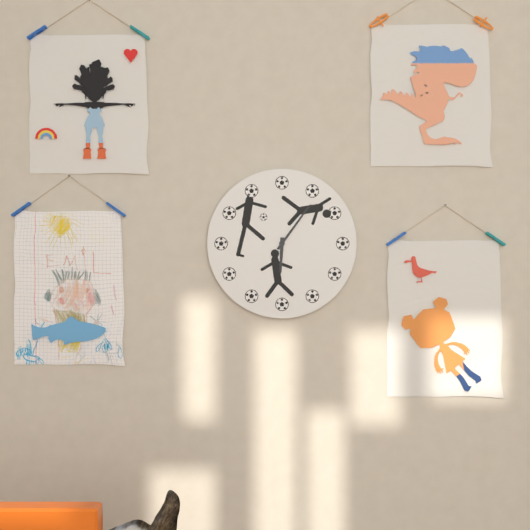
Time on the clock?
6:06
